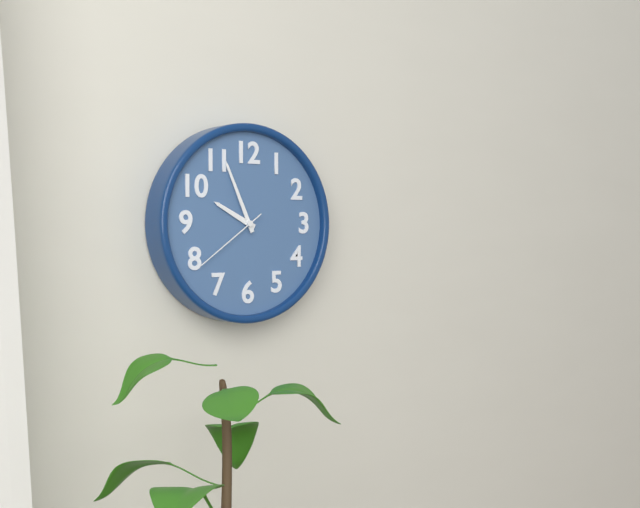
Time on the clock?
9:56:39
